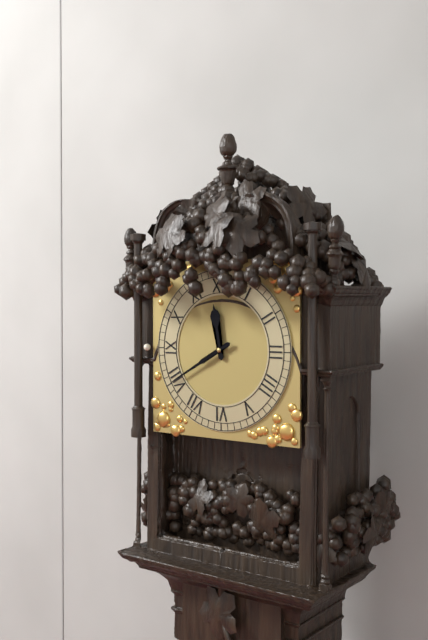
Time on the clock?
11:40
